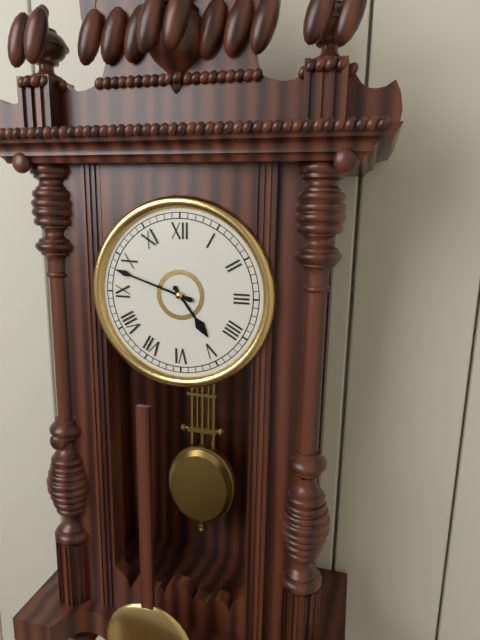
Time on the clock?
4:48
